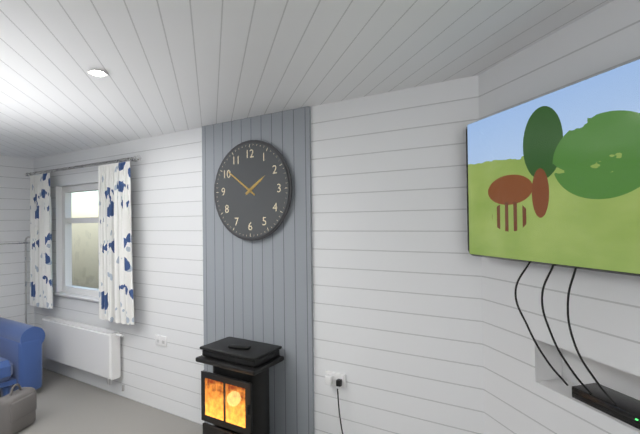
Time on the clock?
1:51
